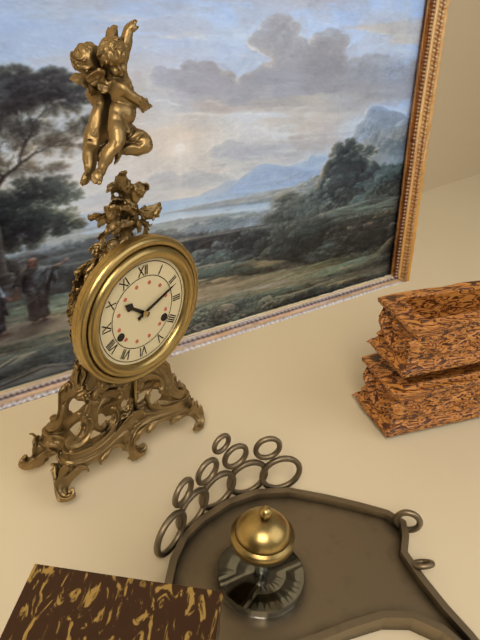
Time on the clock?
10:11
